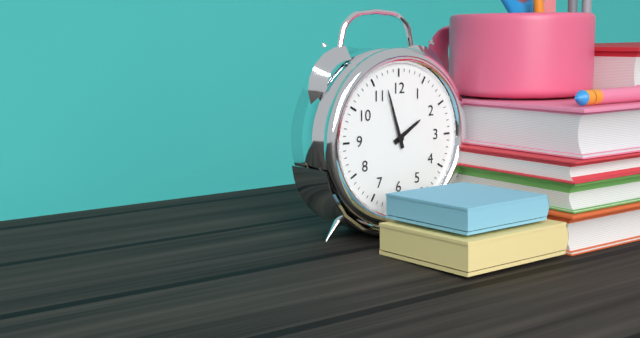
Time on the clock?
1:57
